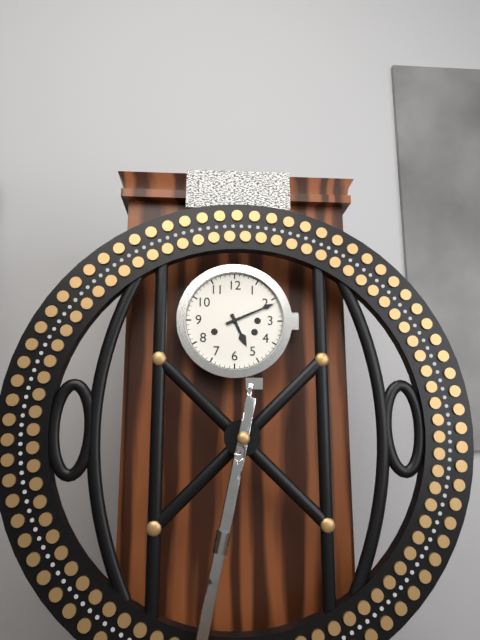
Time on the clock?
5:11
